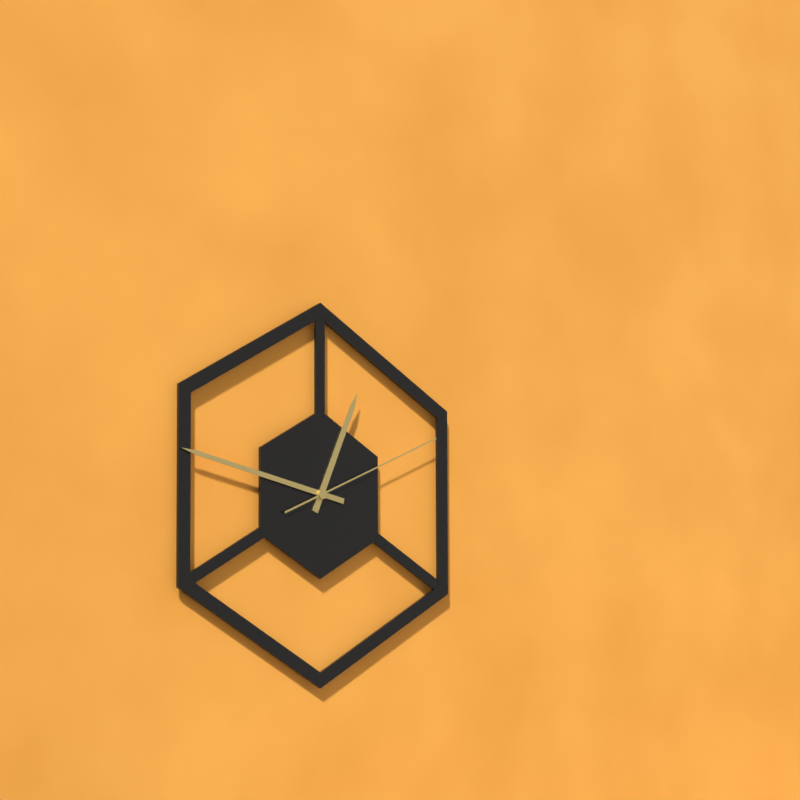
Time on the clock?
12:47:11
